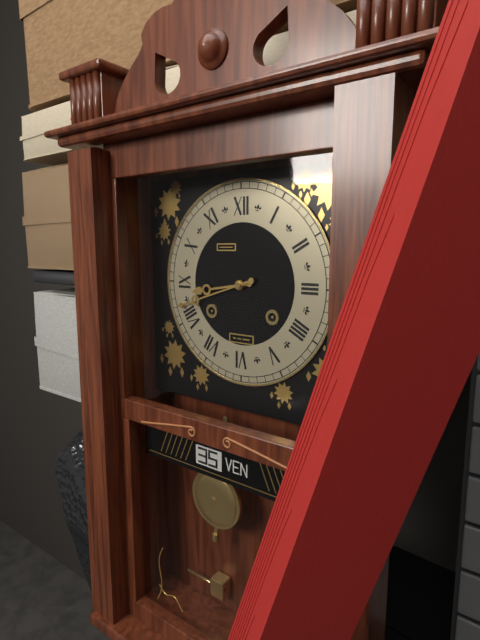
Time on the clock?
8:42
